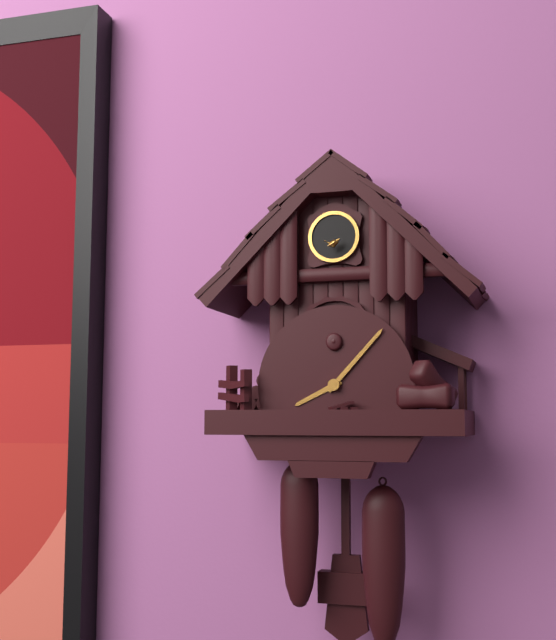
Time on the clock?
8:07
